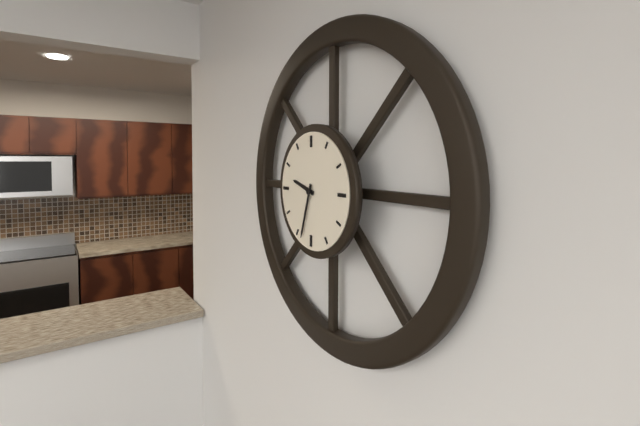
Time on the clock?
9:33
